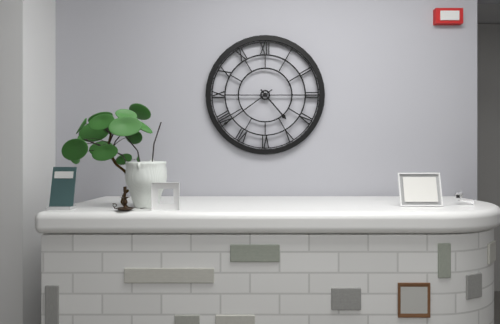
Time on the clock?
4:39
